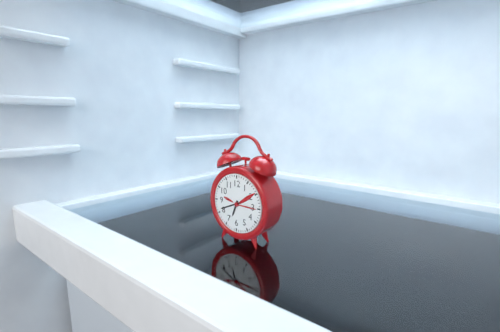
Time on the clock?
6:41
